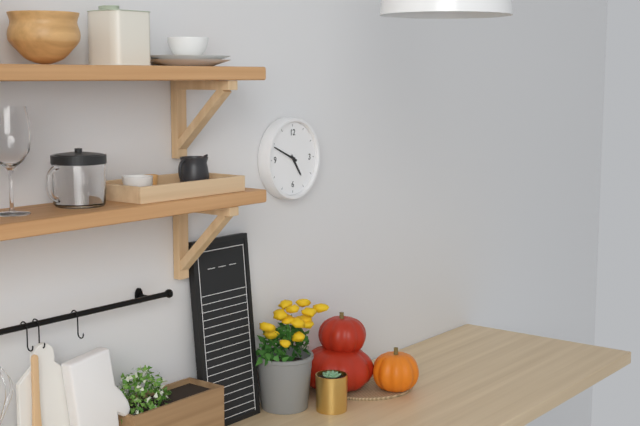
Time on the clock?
4:49
